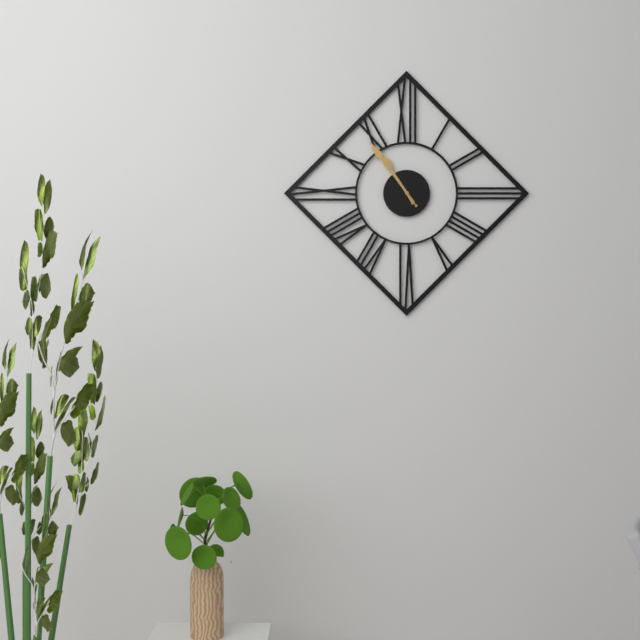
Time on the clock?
10:54:54
